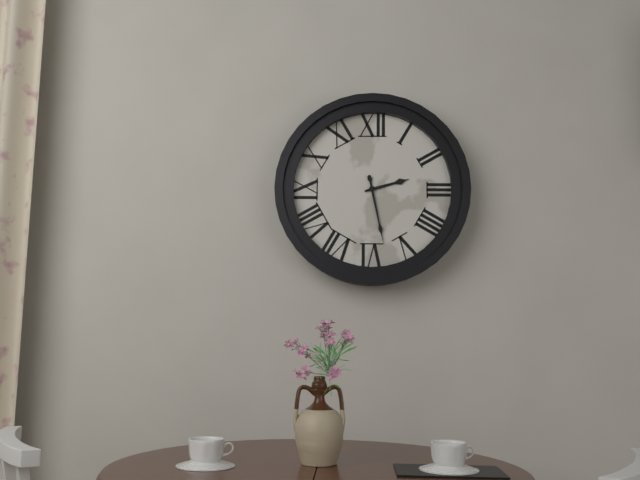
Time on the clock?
2:28
